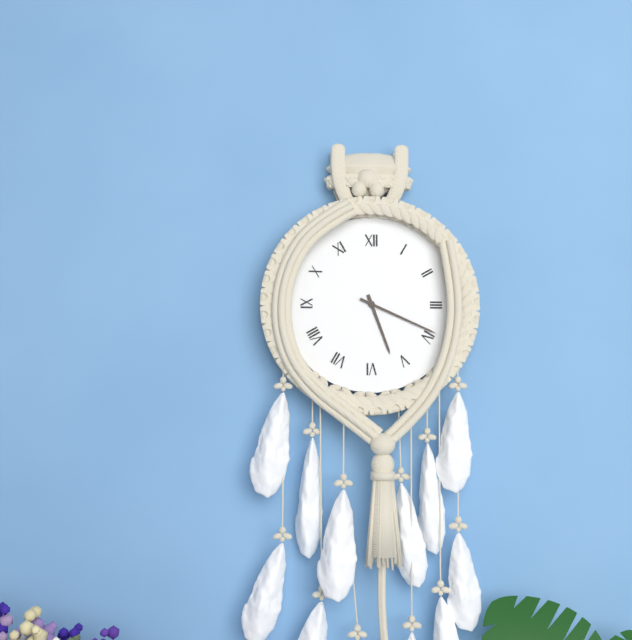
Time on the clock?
5:19
